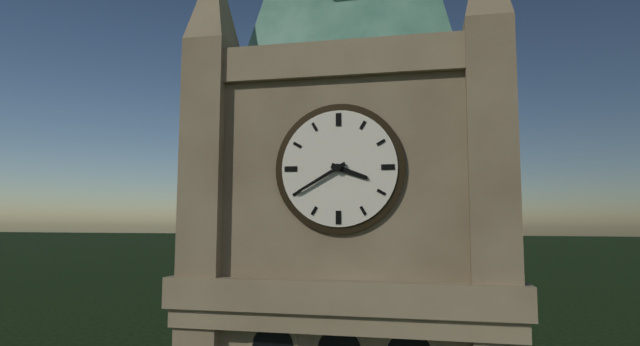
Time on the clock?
3:40
